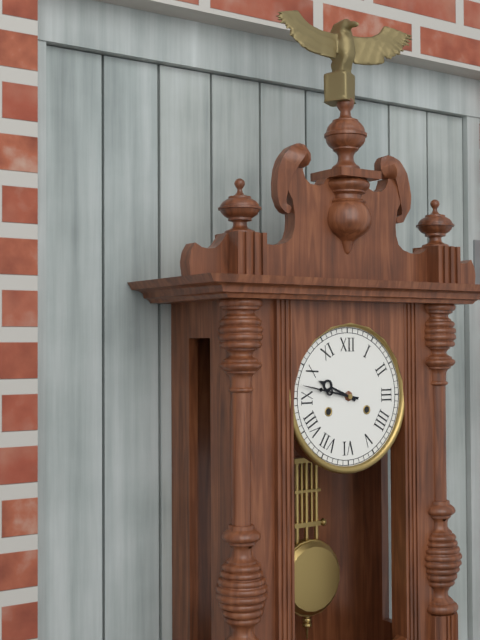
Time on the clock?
9:47
